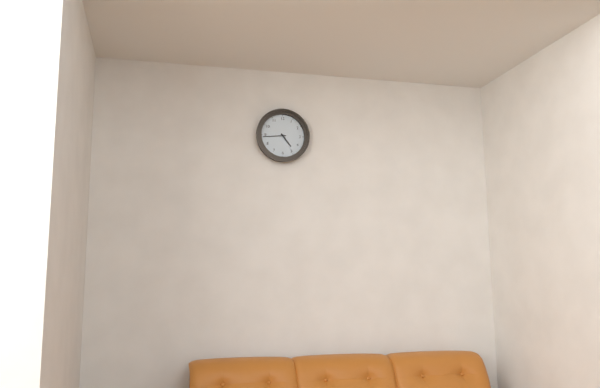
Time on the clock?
4:44
